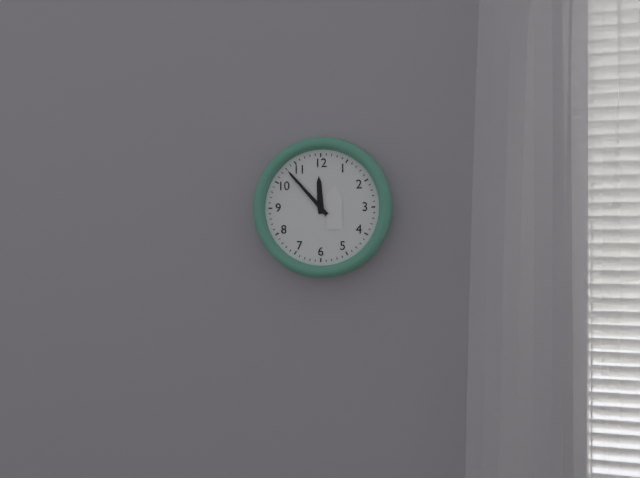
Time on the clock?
11:53
